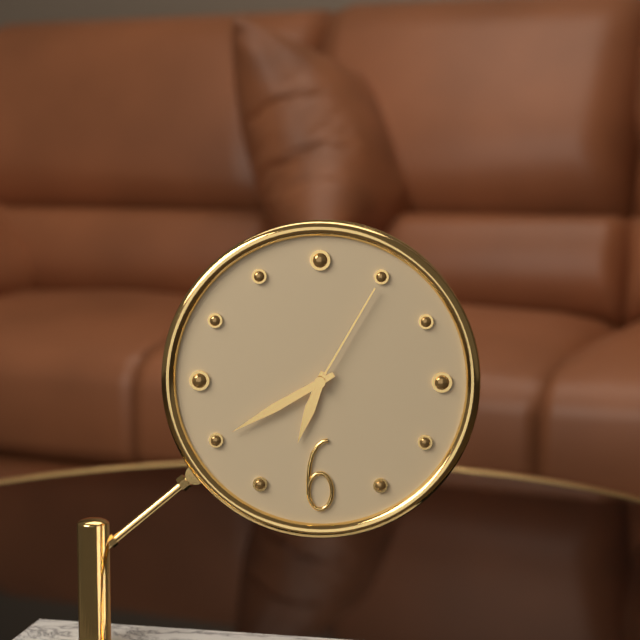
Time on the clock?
6:40:05
